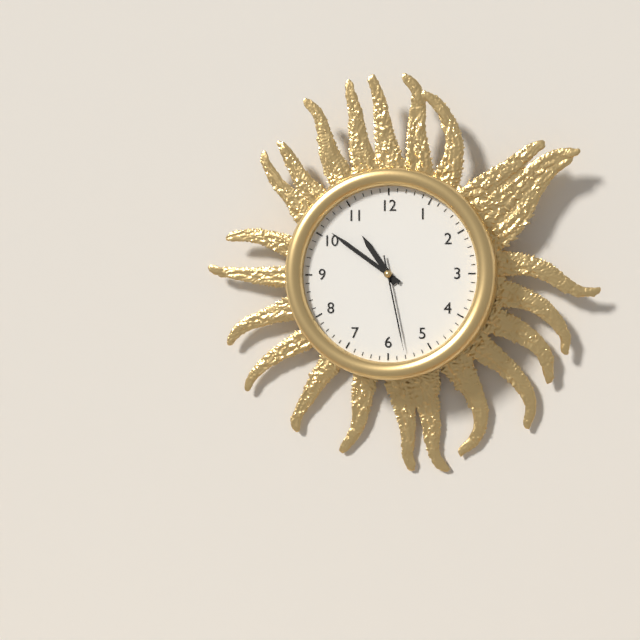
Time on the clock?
10:51:28
